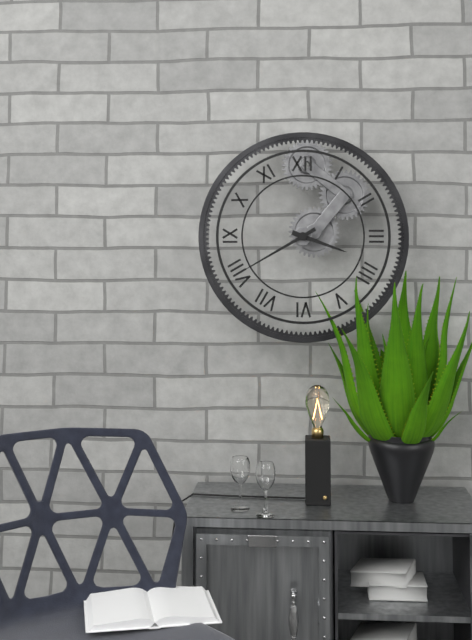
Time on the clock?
3:40
